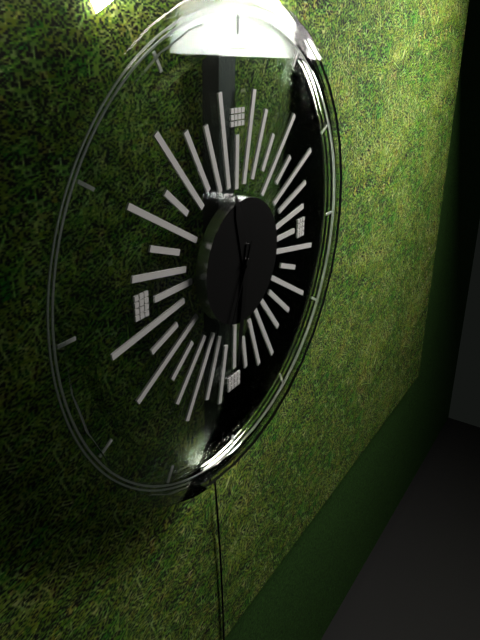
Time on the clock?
11:31:34
